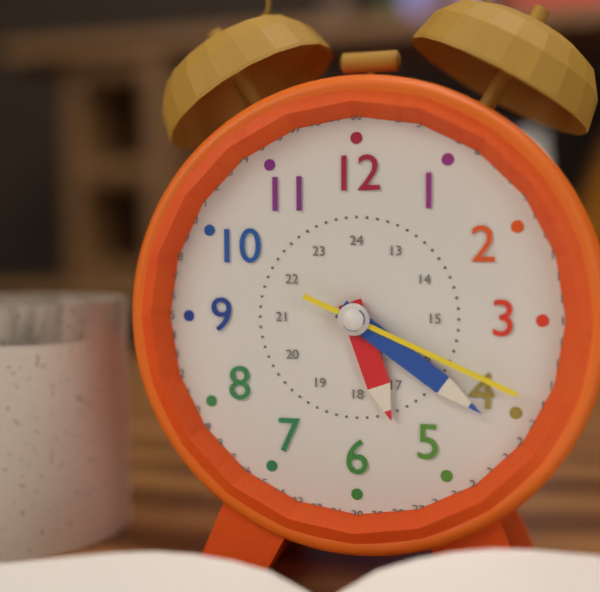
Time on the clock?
5:21:19
